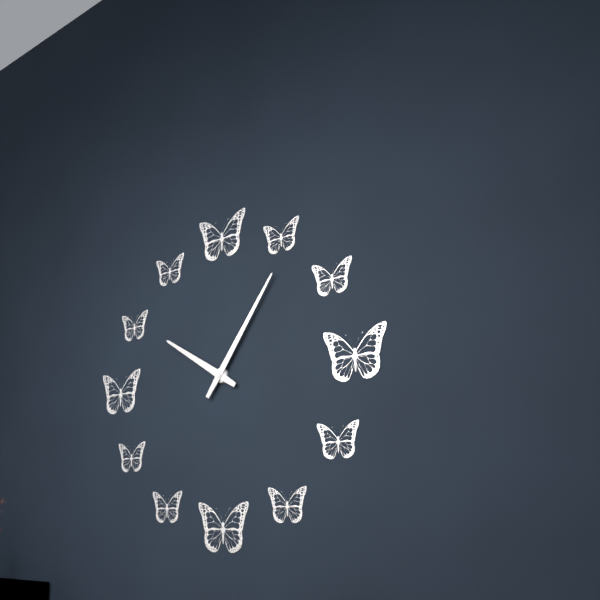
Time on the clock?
10:06
